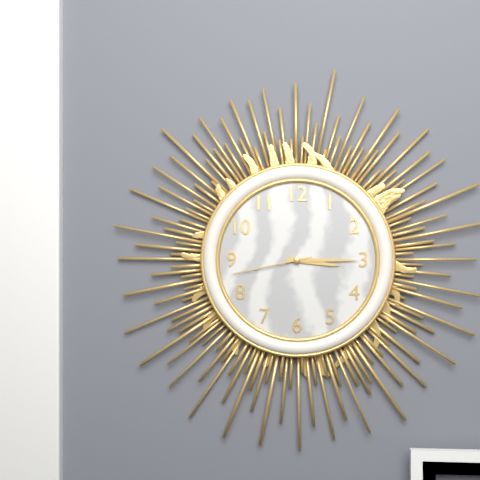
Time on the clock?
3:15:43
